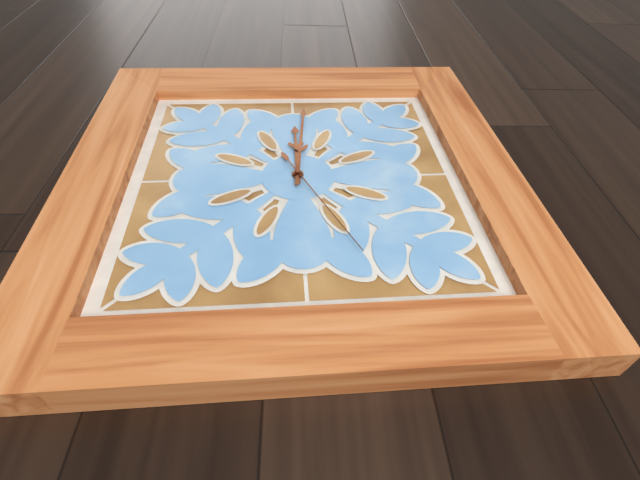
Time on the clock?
12:01:26
